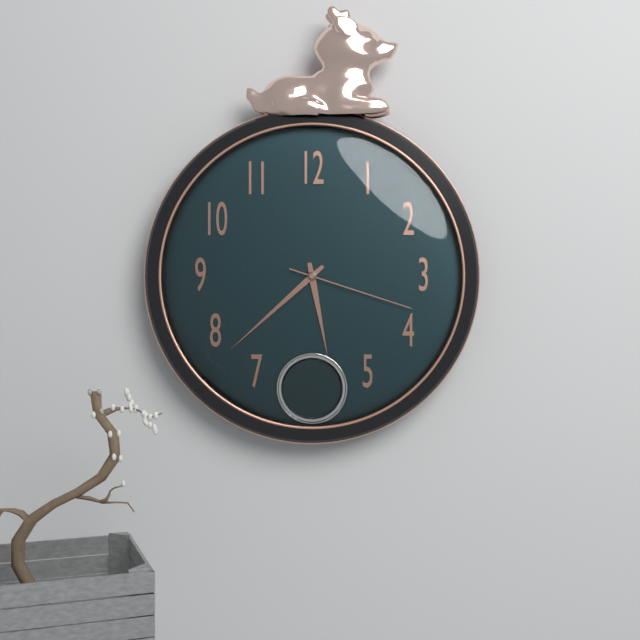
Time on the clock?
5:38:18
